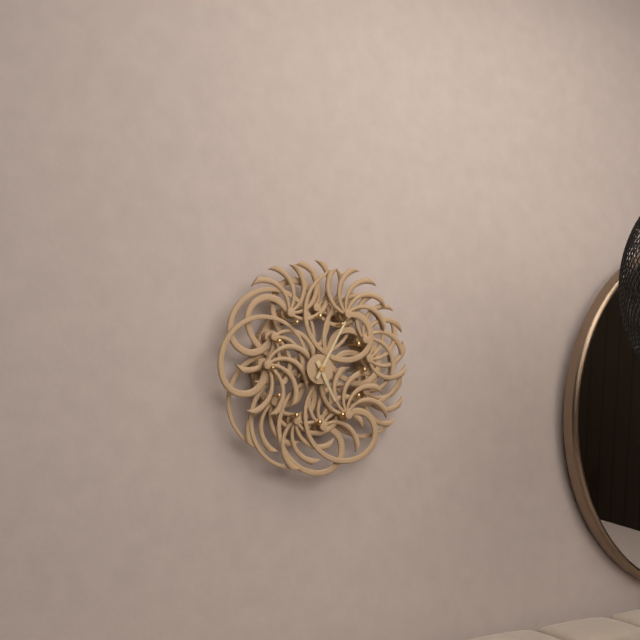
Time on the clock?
5:05
